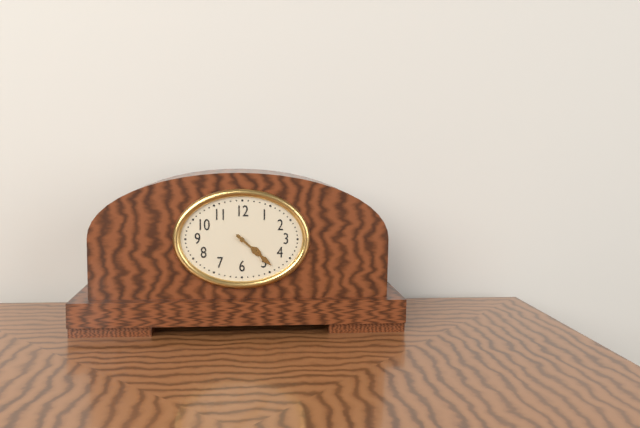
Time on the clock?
4:22
